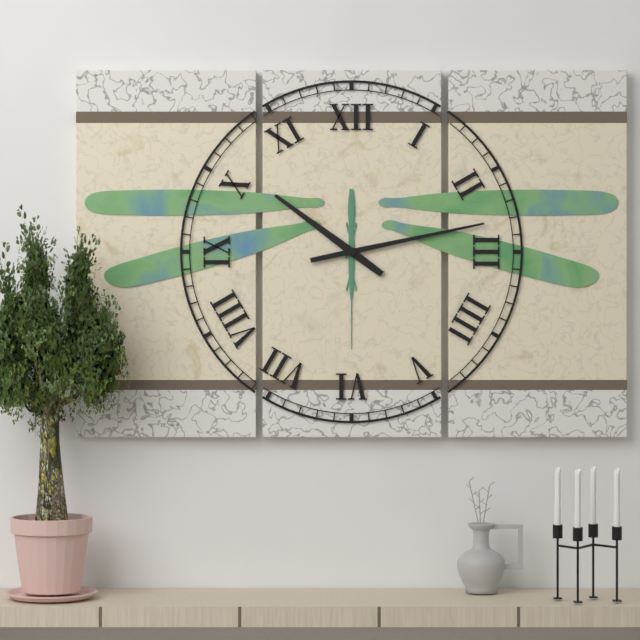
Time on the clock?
10:13
